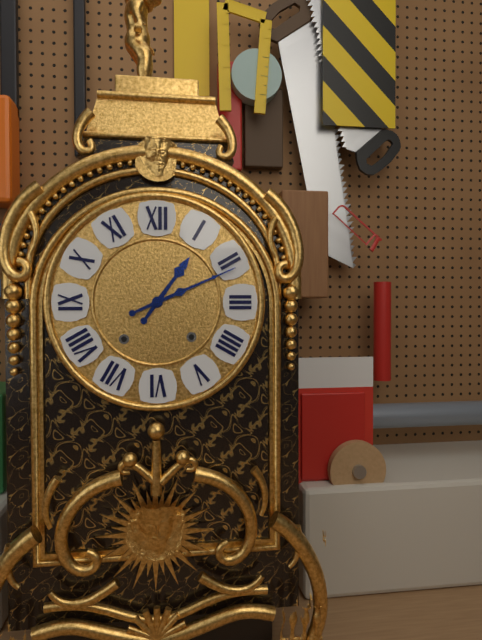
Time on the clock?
1:11
